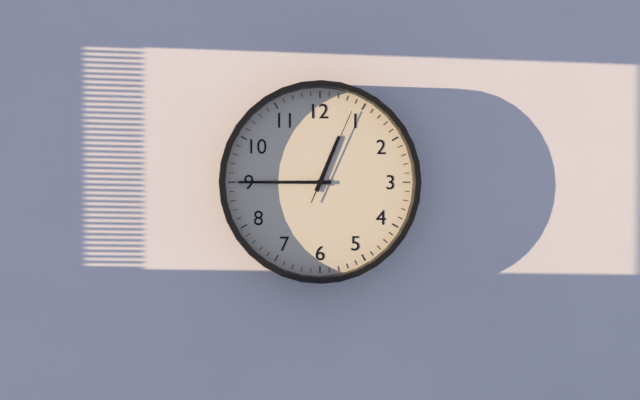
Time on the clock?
12:45:04
